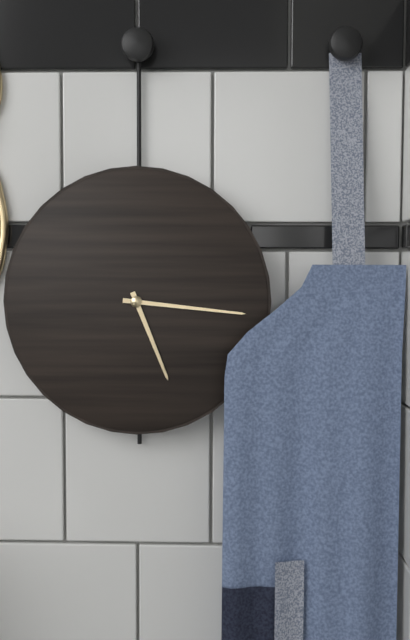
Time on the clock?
5:16
